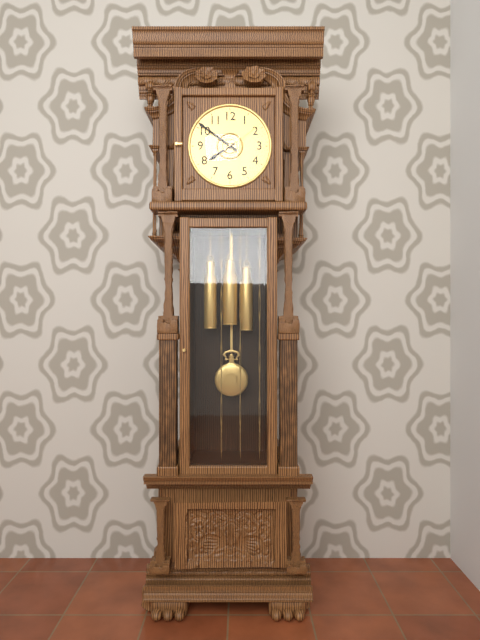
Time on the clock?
7:51
